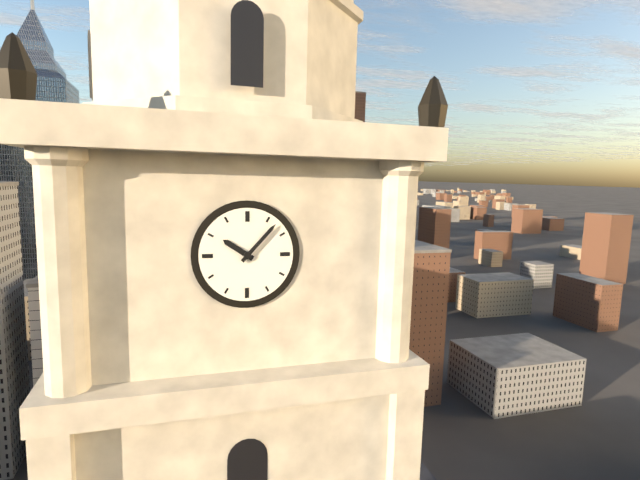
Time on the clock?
10:07
